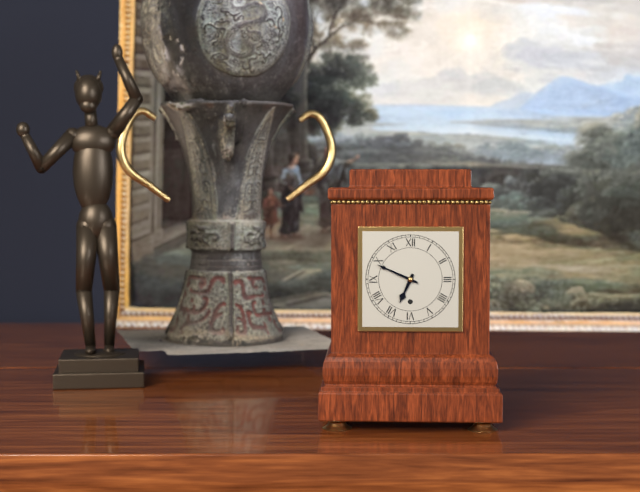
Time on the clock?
6:49
